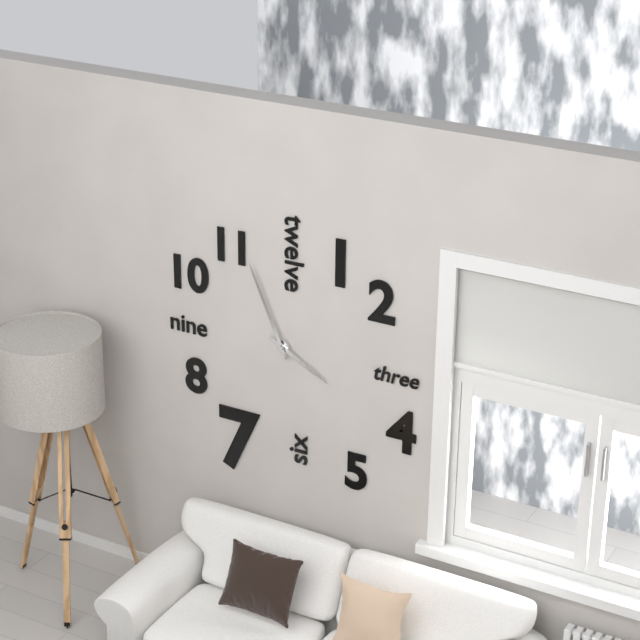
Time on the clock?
3:56
